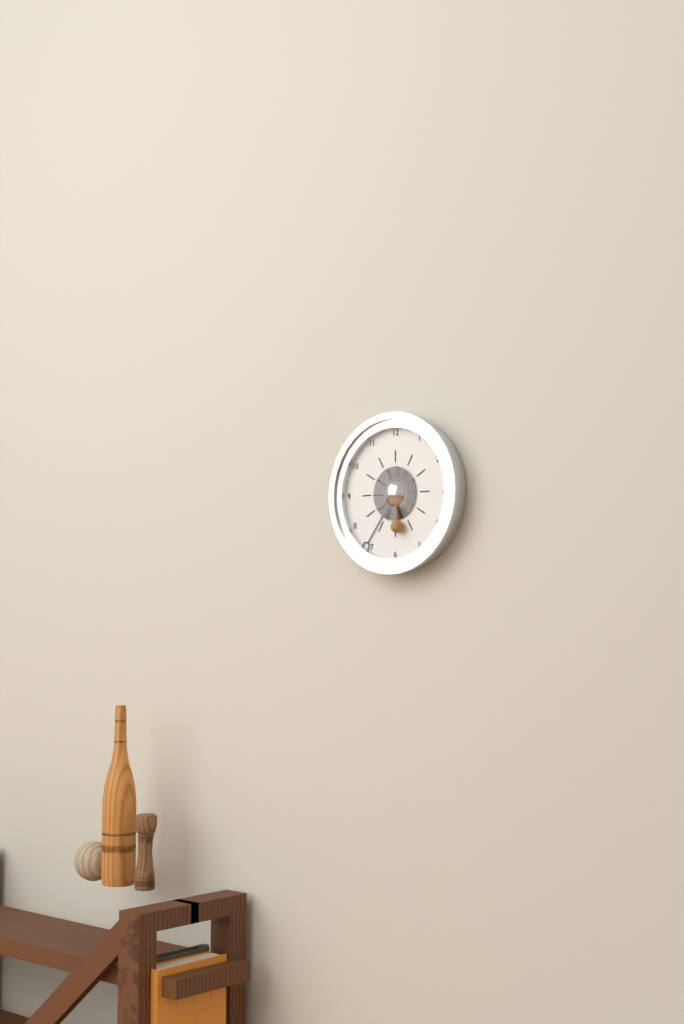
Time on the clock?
5:36
